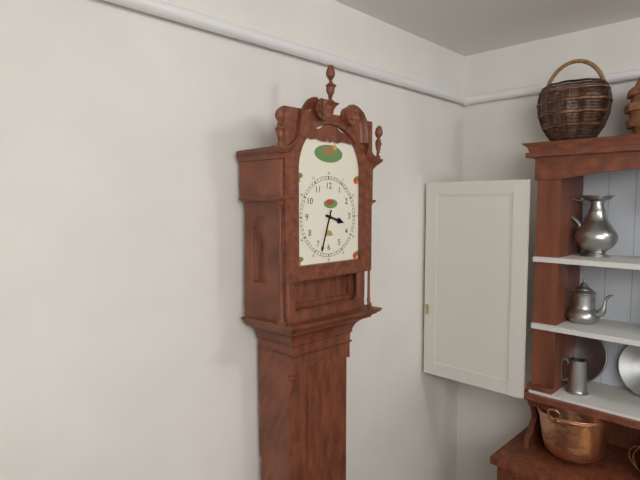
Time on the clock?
3:33
